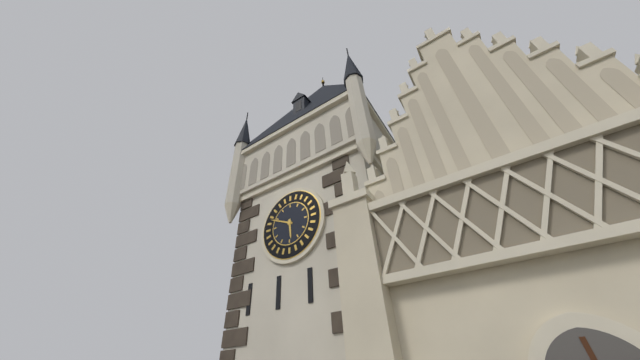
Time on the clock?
5:49
